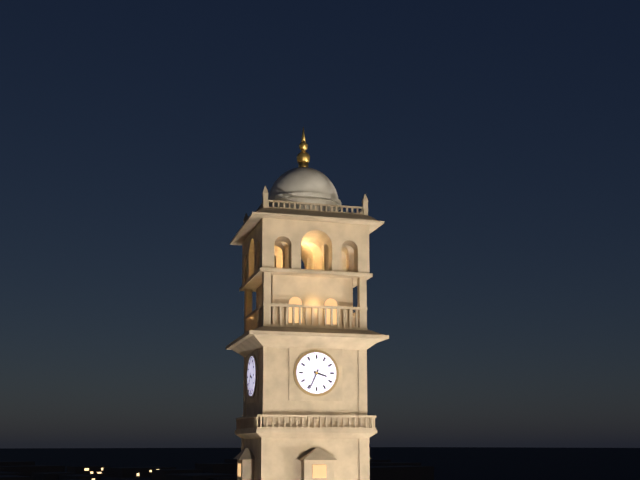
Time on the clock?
3:34
